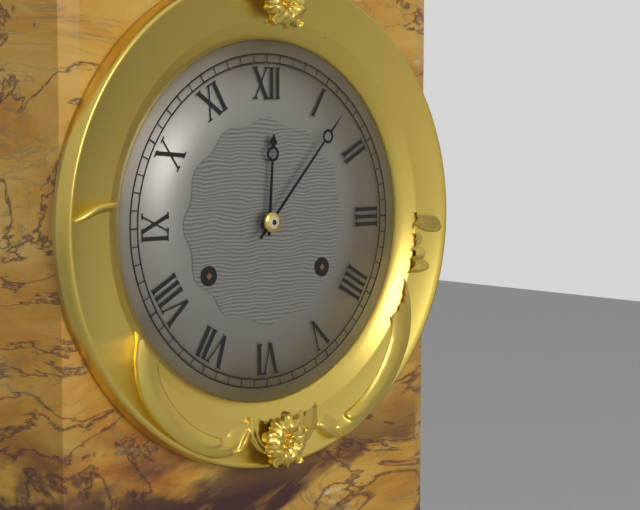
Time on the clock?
12:07
